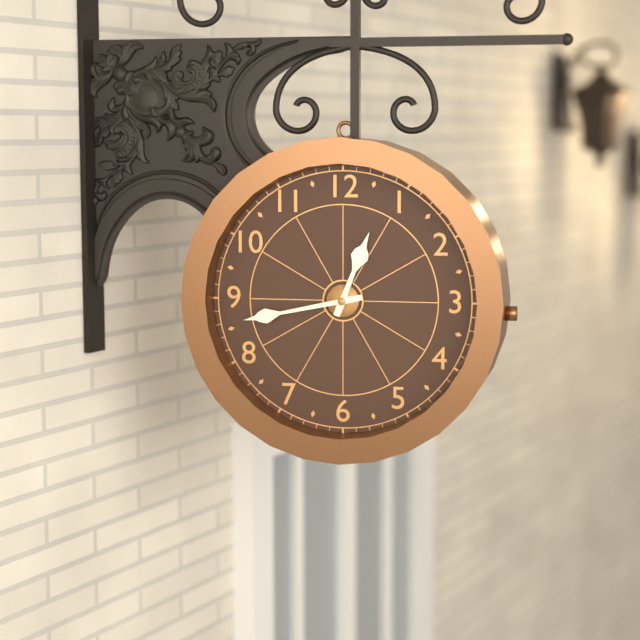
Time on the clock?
12:43
